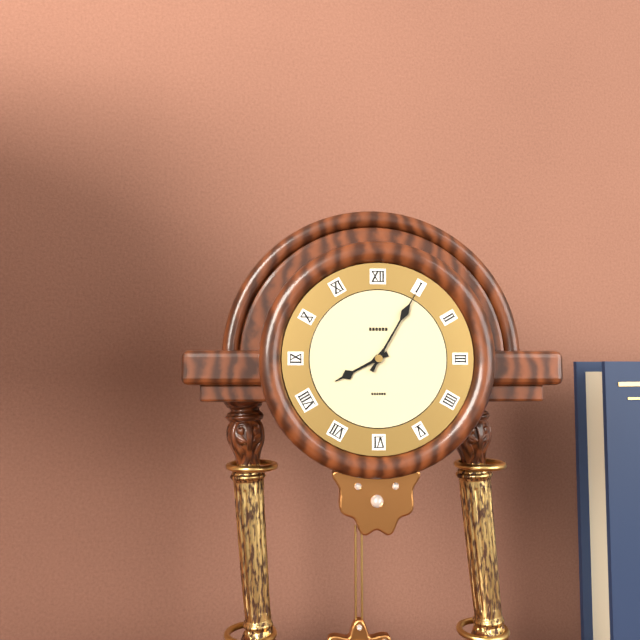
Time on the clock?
8:05
